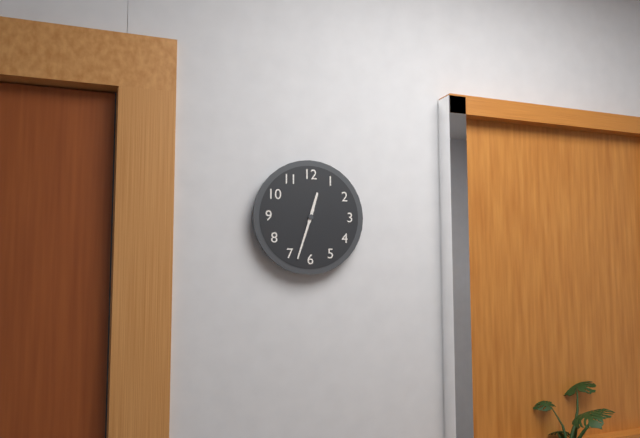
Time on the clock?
12:33
